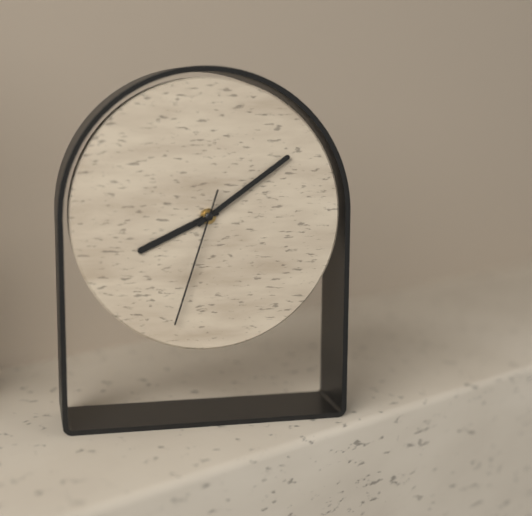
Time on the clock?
8:09:33
